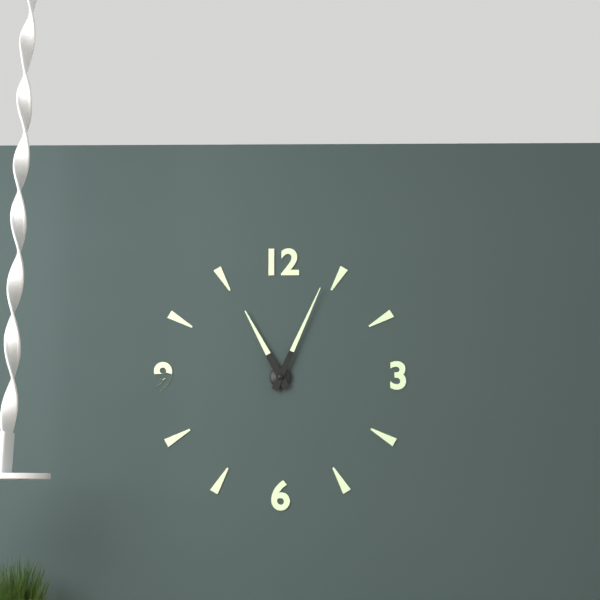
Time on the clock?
11:04
